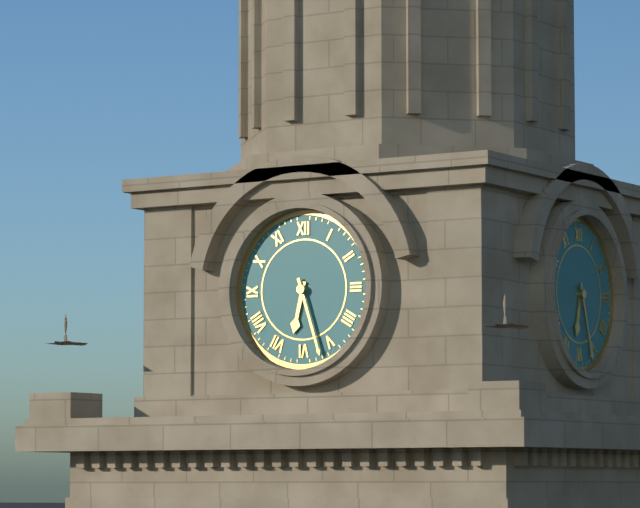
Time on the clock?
6:27
